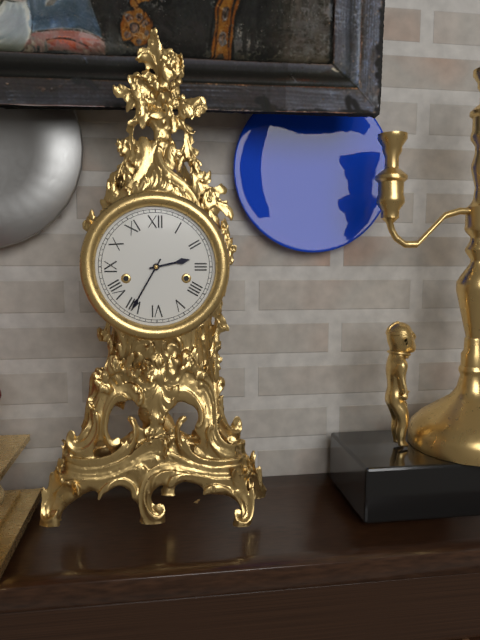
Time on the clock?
2:35
